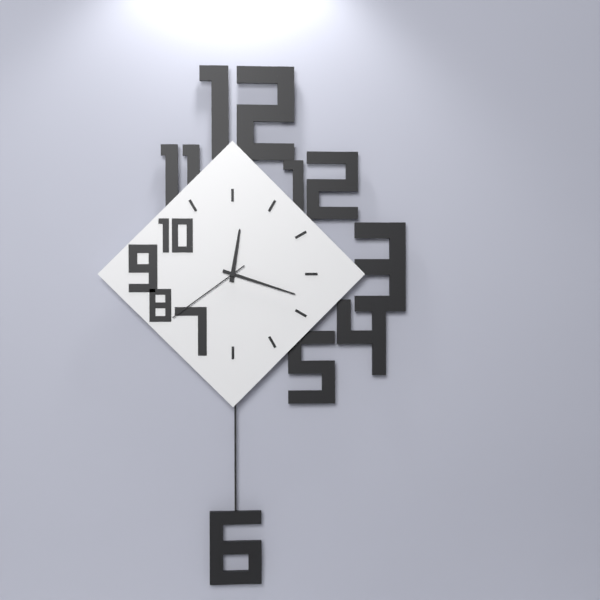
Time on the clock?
12:18:39
